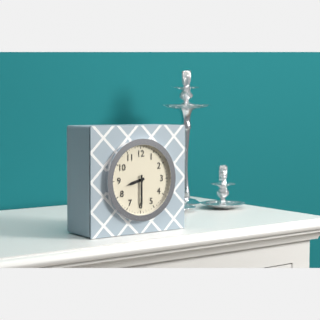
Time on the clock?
8:30
